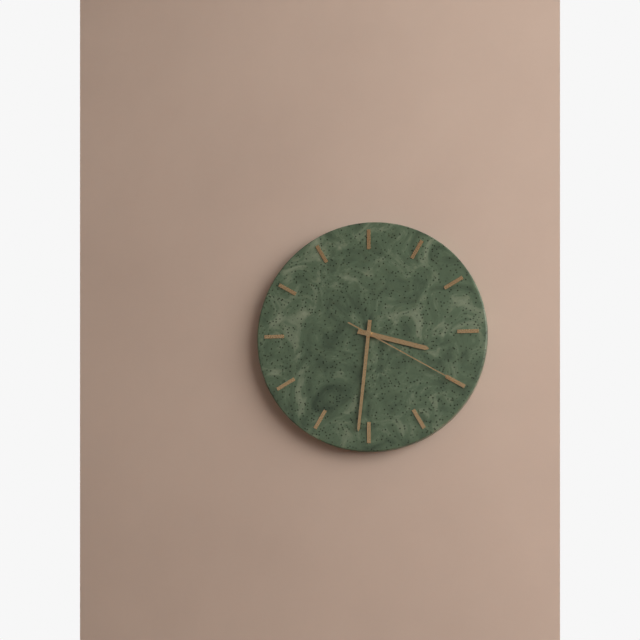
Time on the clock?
3:31:20
